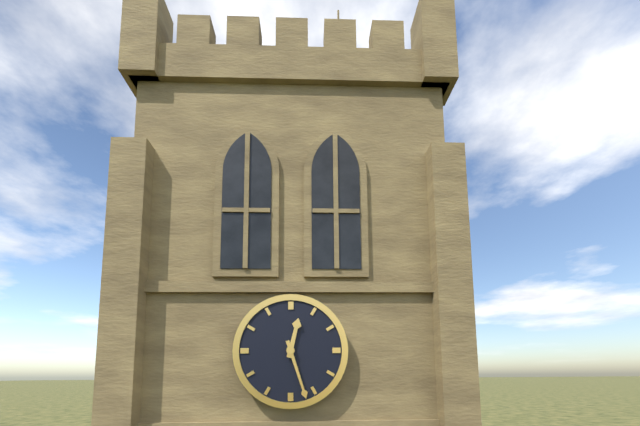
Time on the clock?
12:27
